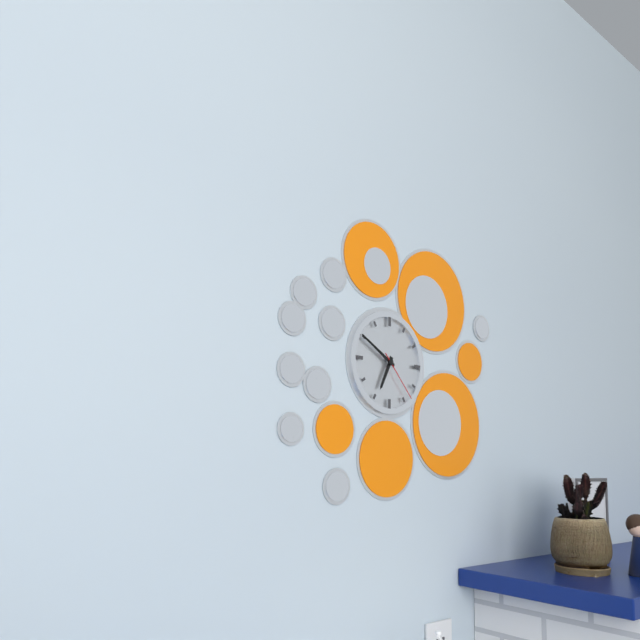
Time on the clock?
6:50:23
